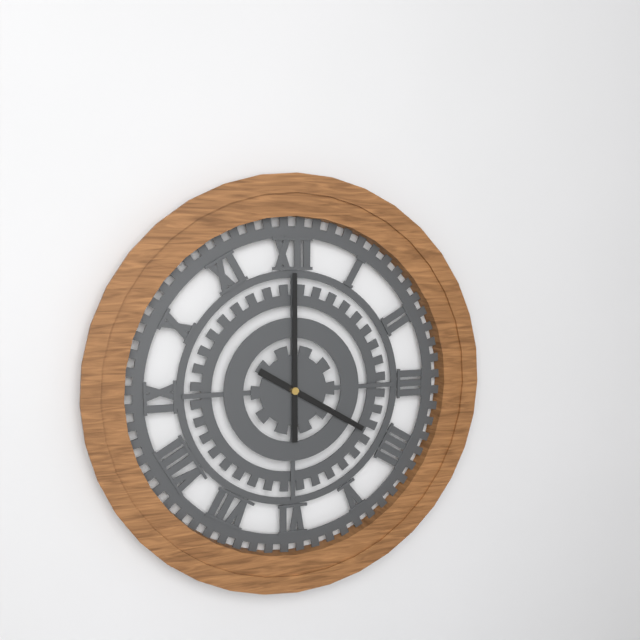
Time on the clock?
4:00
